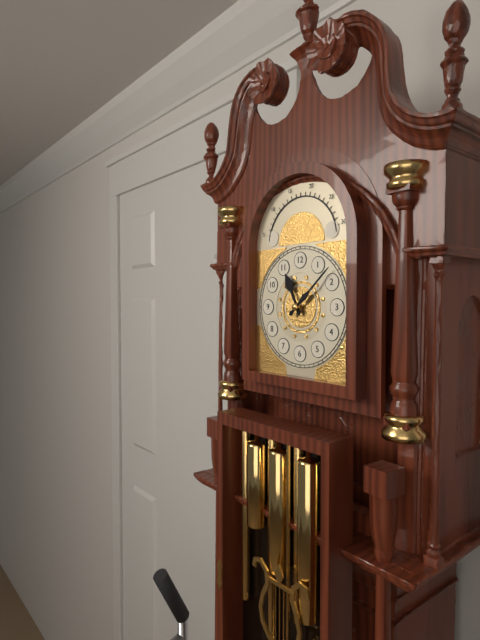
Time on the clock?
11:08
